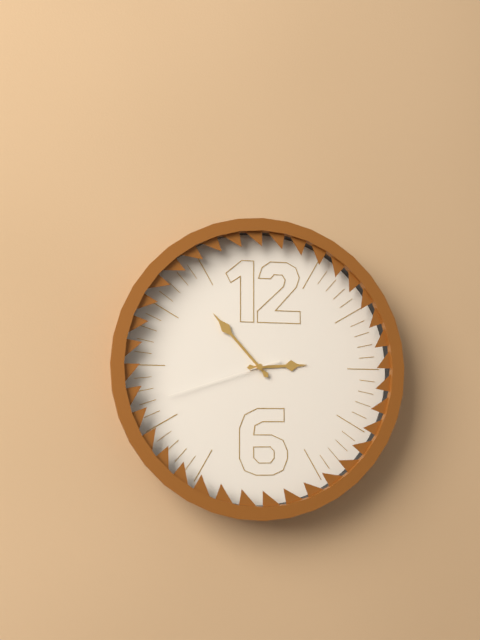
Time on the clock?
2:53:42
